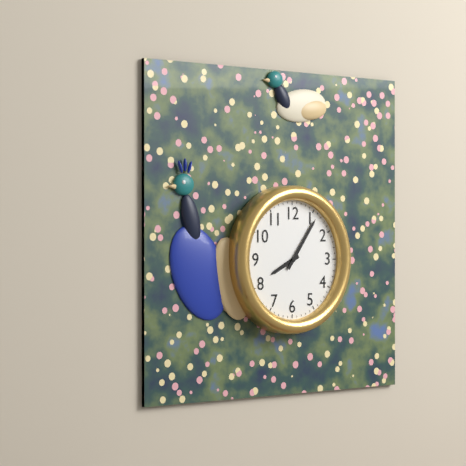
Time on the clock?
8:06
